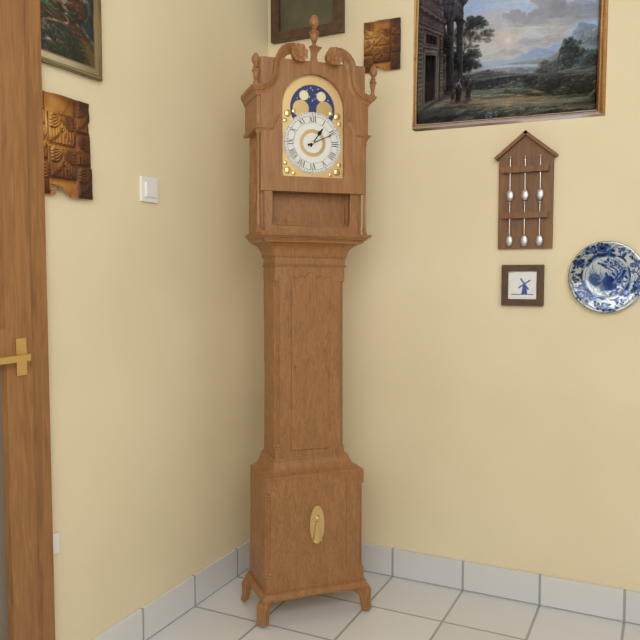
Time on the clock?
1:11
